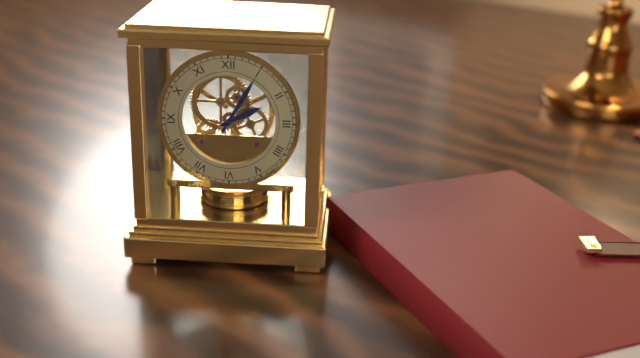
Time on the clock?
2:05
